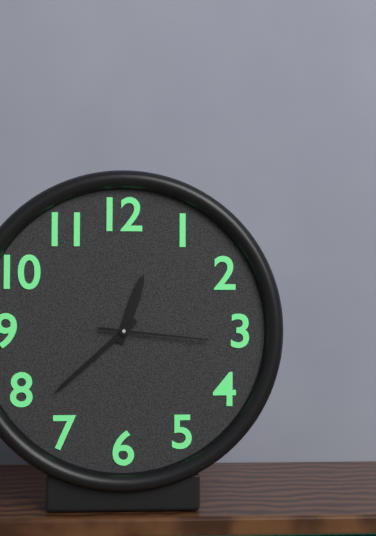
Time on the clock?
12:38:16
